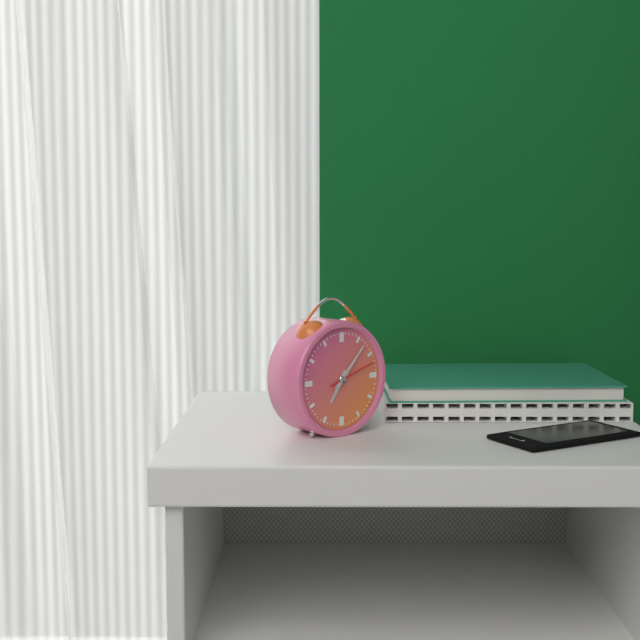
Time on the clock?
7:07:12
